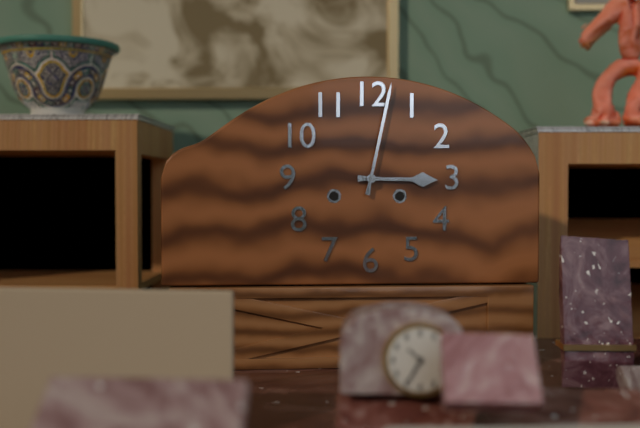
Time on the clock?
3:02
